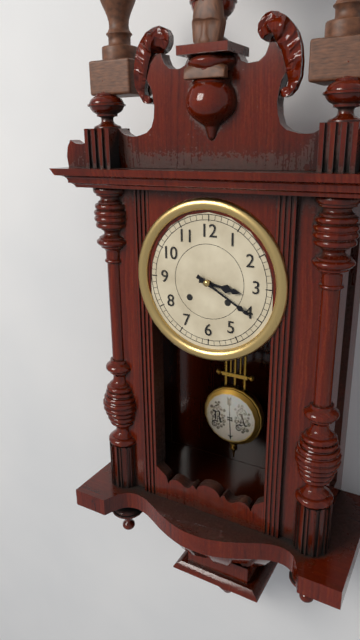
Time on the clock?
3:20
